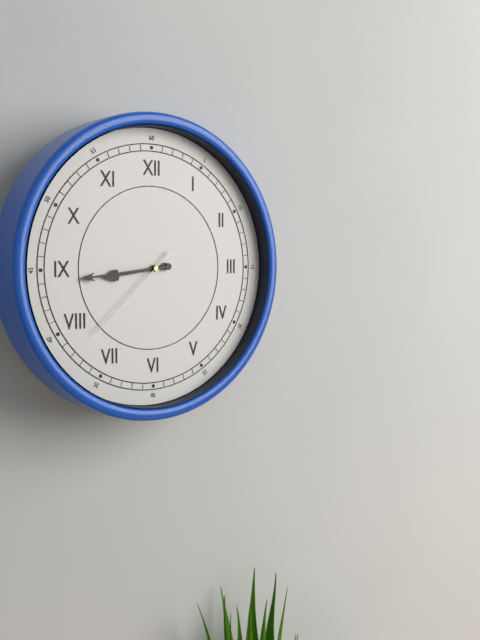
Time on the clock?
8:44:38
